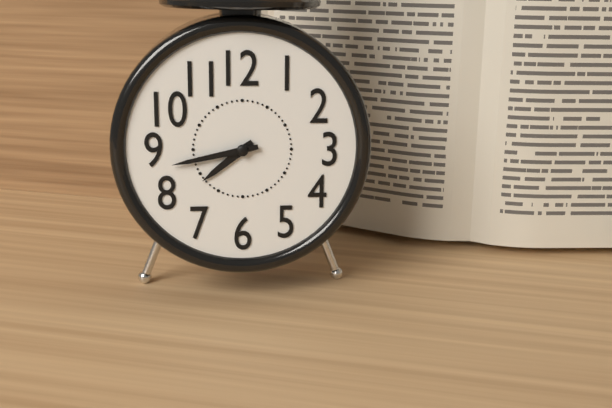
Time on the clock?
7:43
